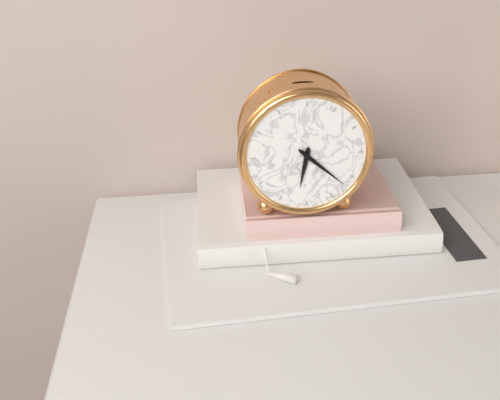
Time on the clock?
6:22
